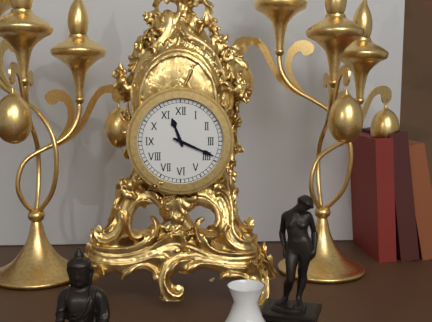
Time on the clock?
11:19
